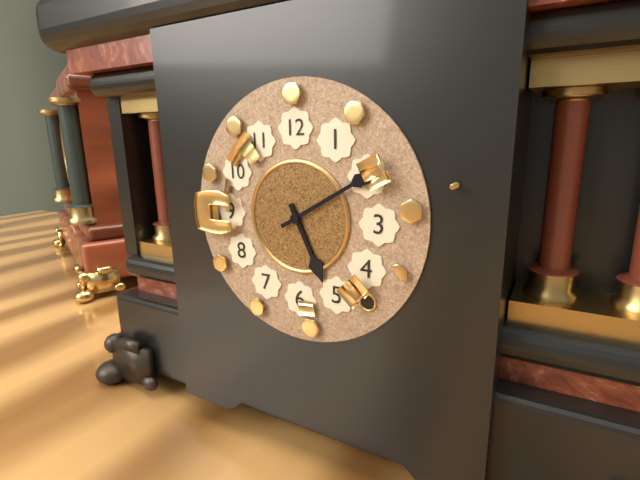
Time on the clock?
5:10
